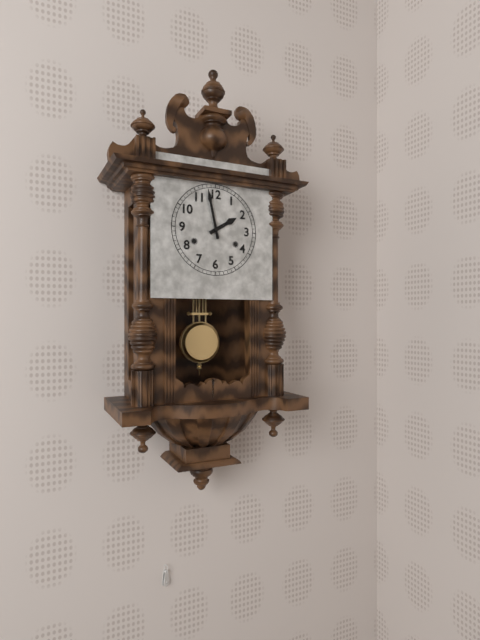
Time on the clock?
1:58
